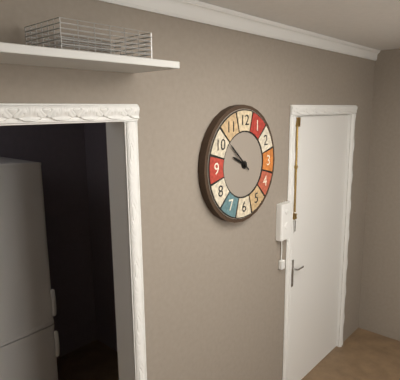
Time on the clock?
9:52
